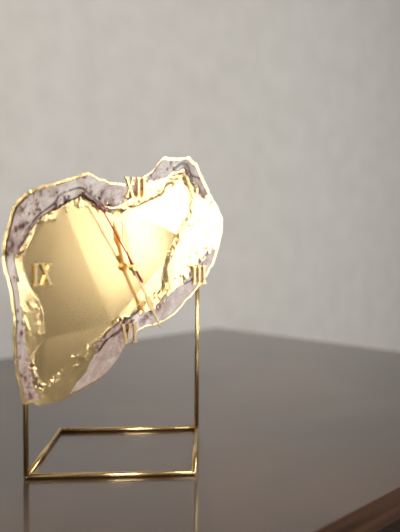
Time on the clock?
11:25:54
